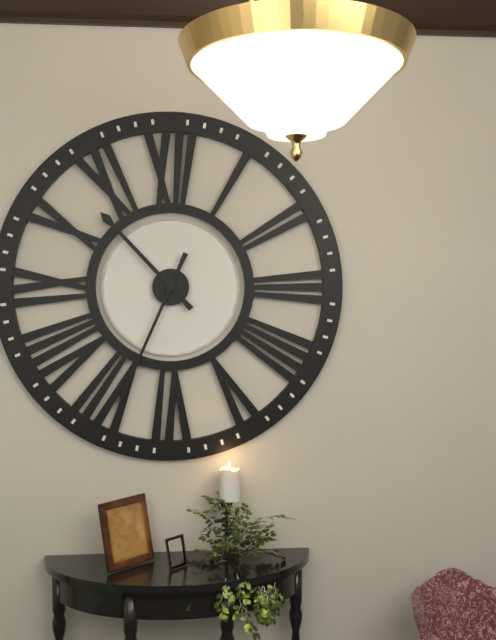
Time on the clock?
10:34
